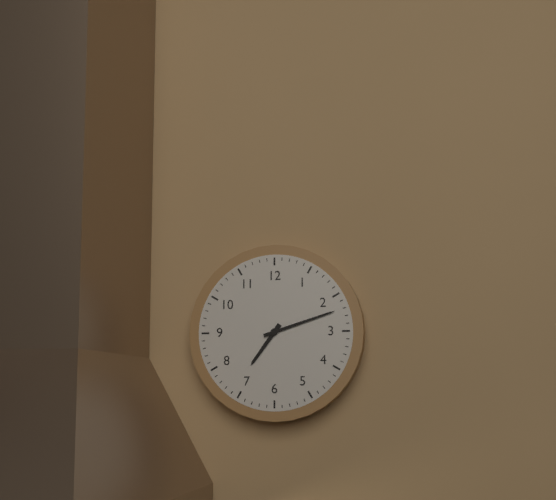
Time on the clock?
7:12
